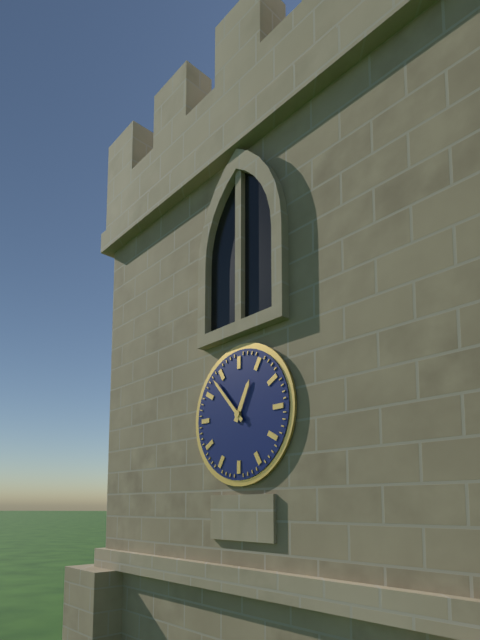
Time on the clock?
12:53
